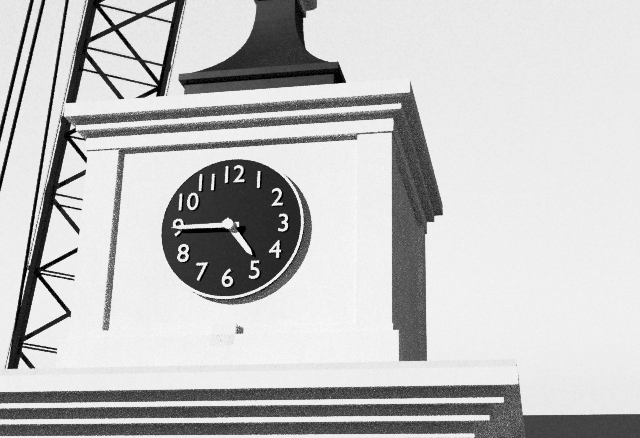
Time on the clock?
4:45
